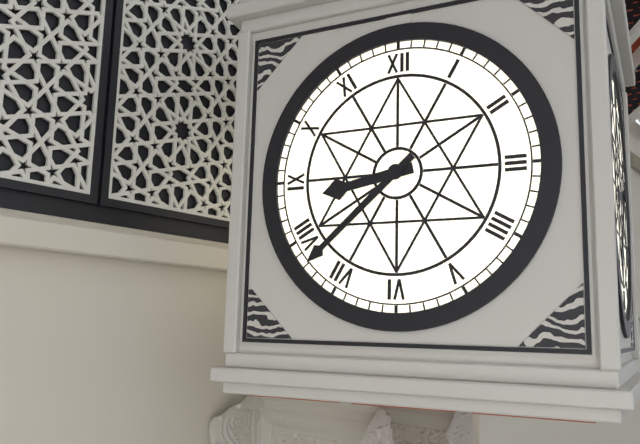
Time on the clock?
8:38
